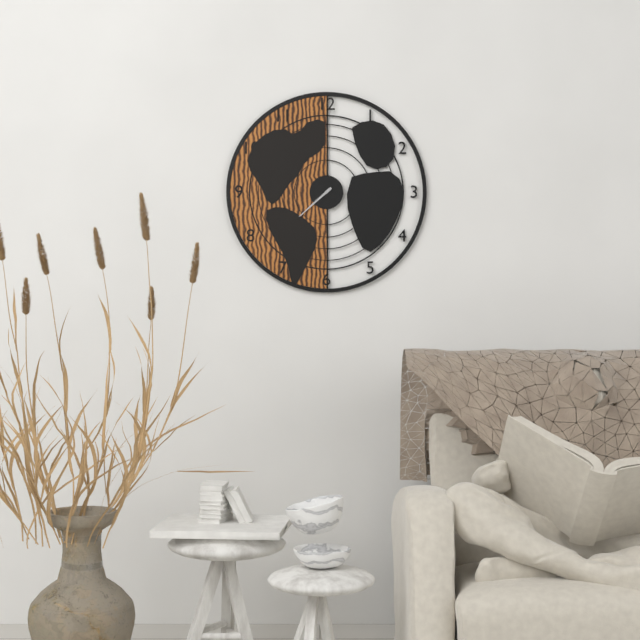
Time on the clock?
7:38
